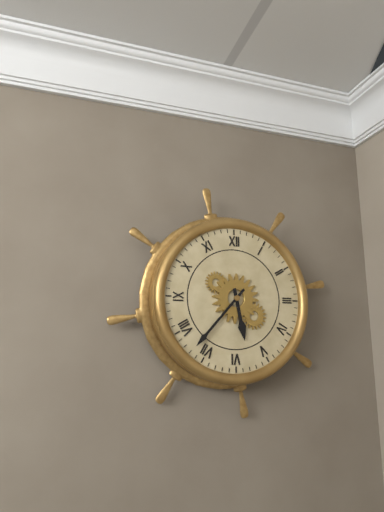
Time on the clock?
5:37
